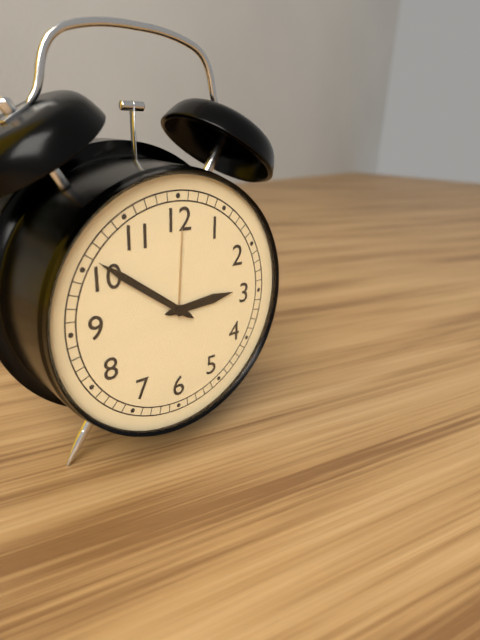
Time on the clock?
2:51
